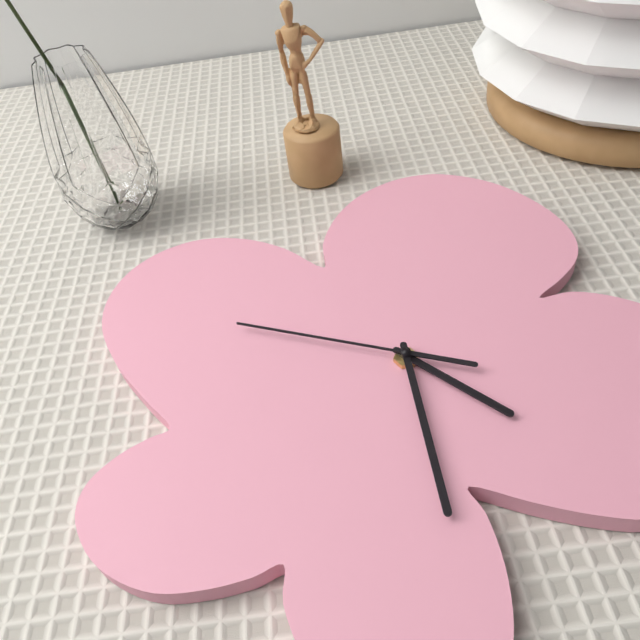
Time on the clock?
5:35:54
